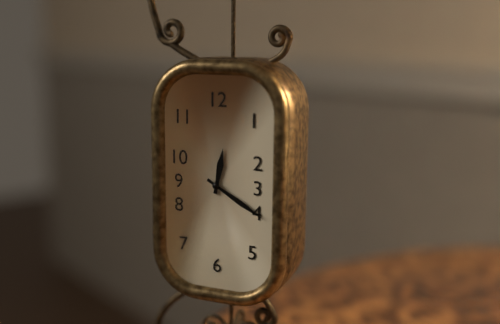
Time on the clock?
12:20
